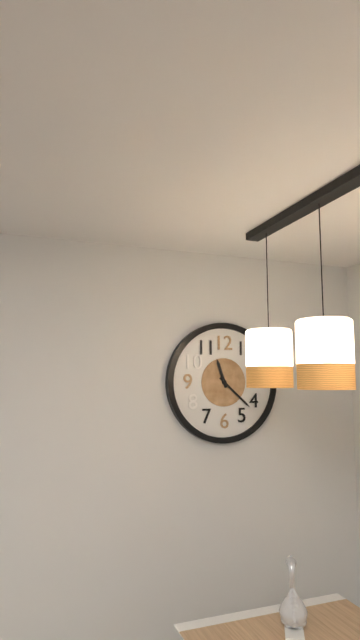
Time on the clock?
11:22
